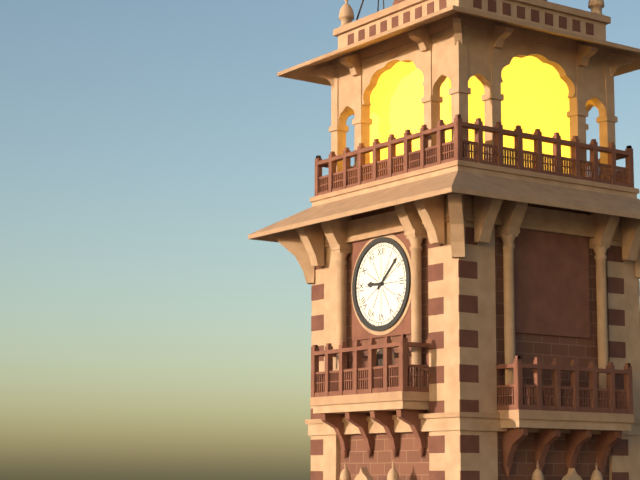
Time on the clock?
9:08
